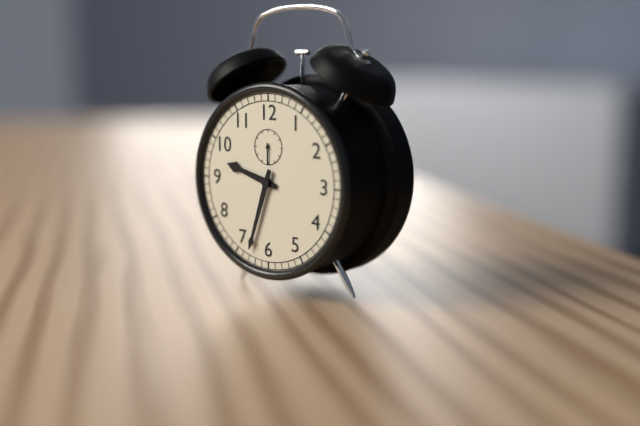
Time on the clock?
9:33
